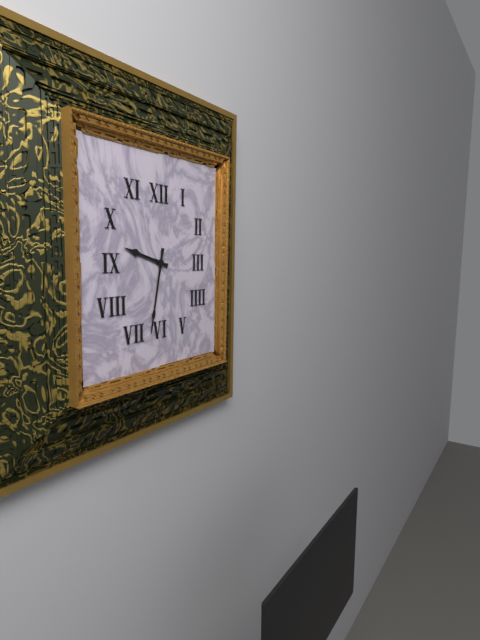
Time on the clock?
9:32
